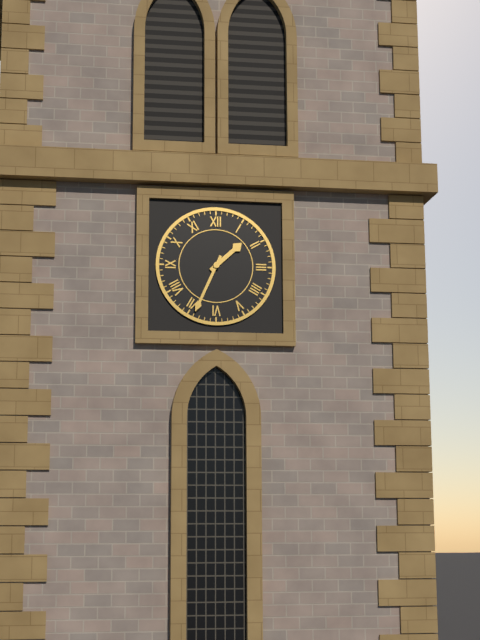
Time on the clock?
1:34
